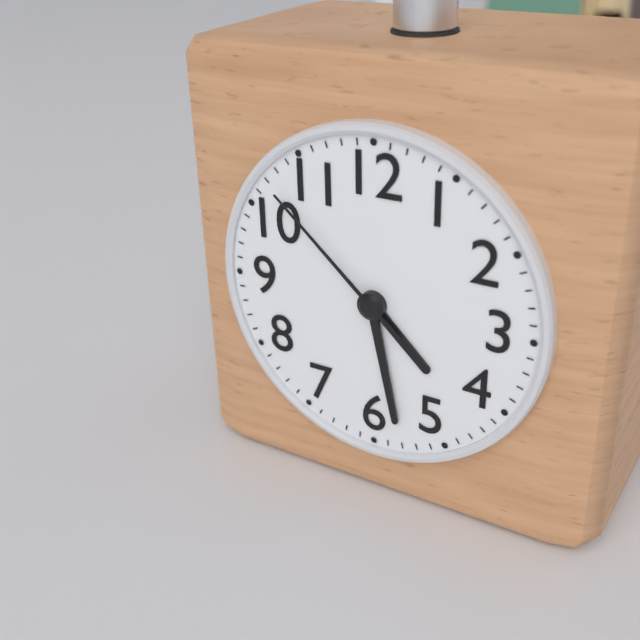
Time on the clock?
4:28:52
